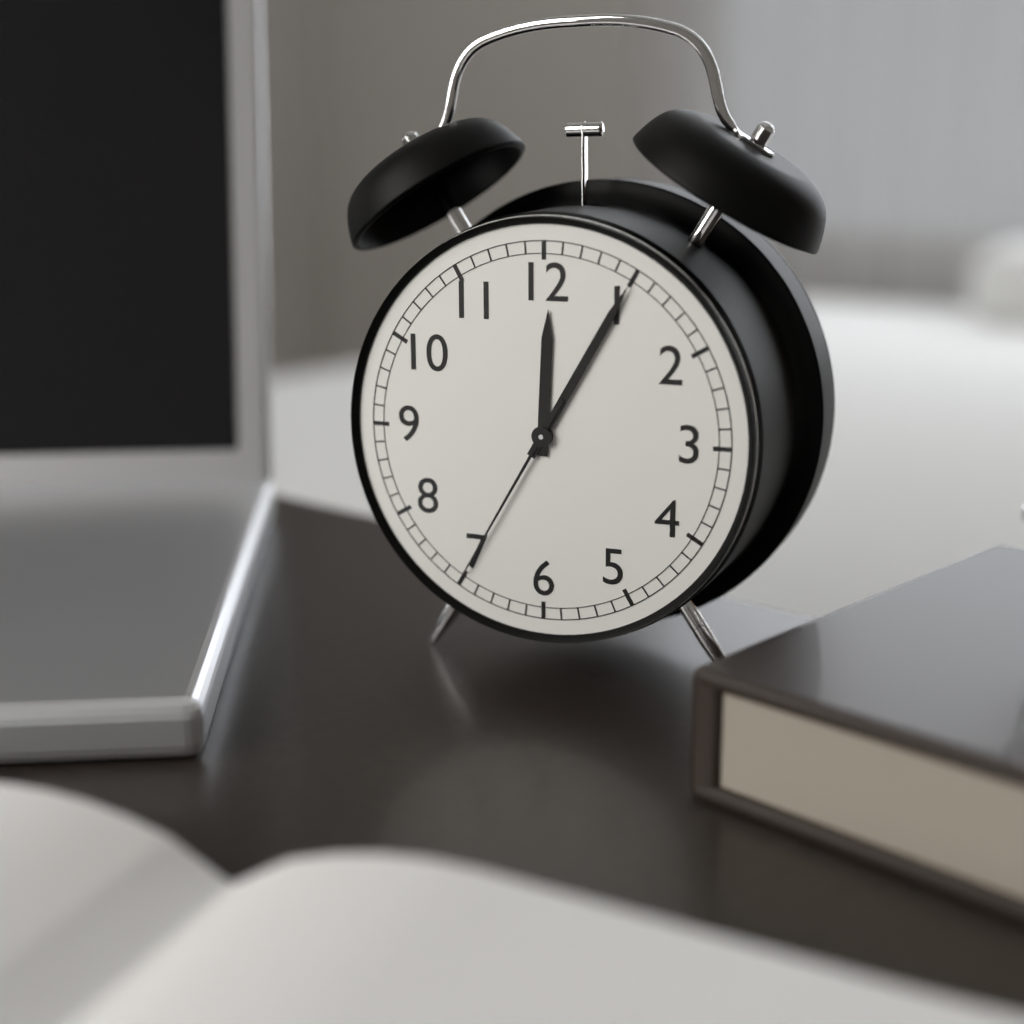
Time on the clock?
12:05:35
